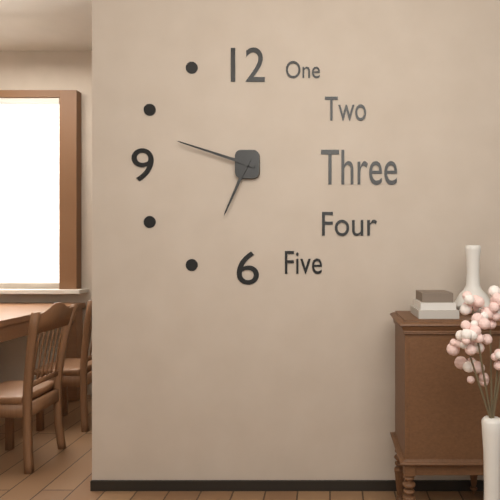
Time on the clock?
6:48
